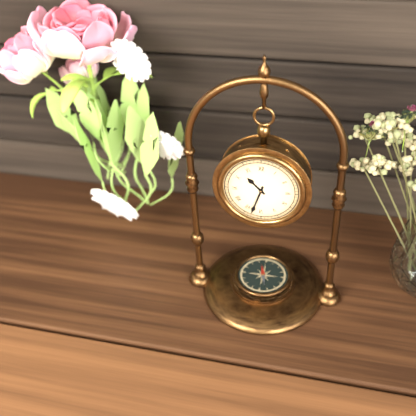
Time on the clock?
10:33
